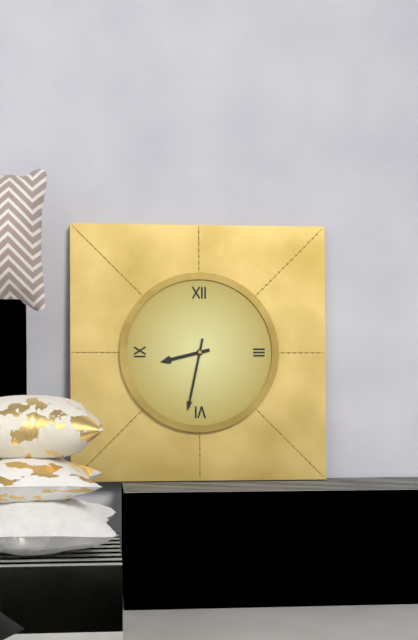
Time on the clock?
8:32
